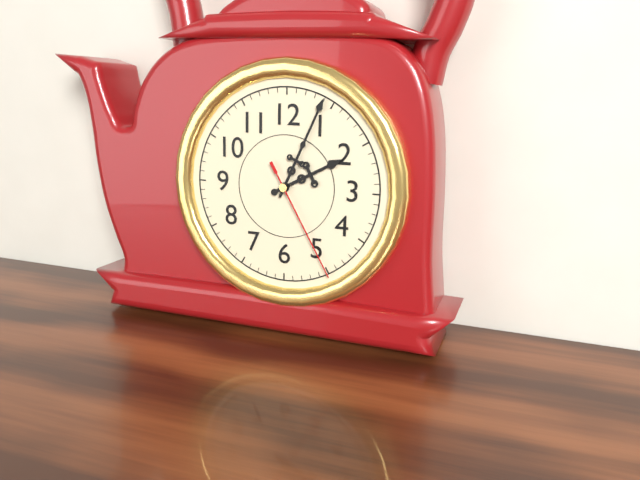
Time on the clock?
2:04:25
